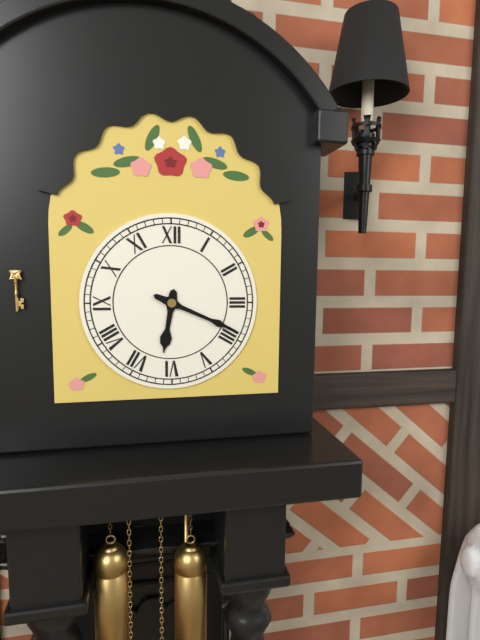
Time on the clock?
6:19
